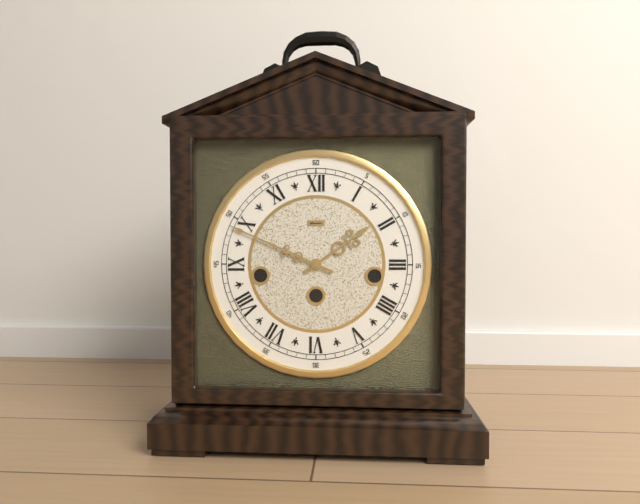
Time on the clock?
1:49
